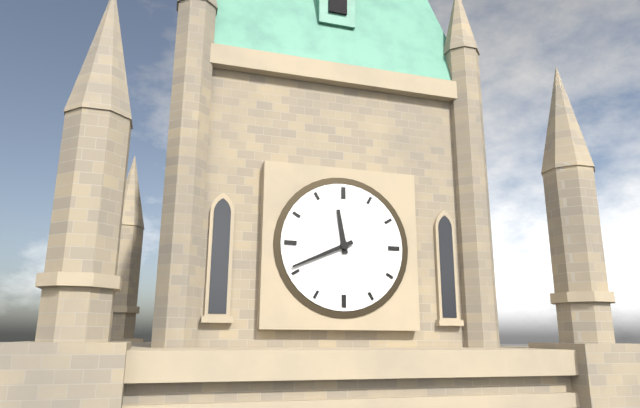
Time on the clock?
11:41
